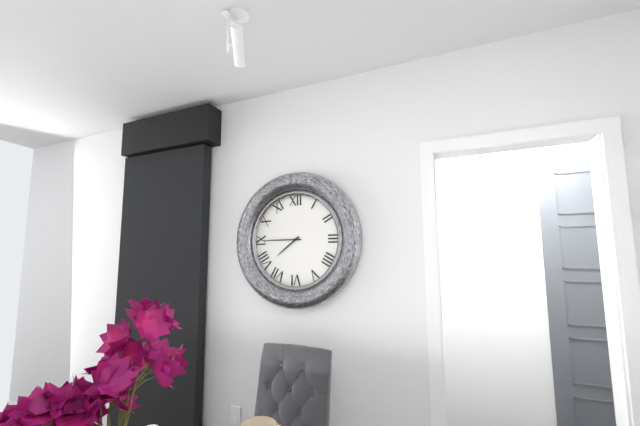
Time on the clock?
7:45
